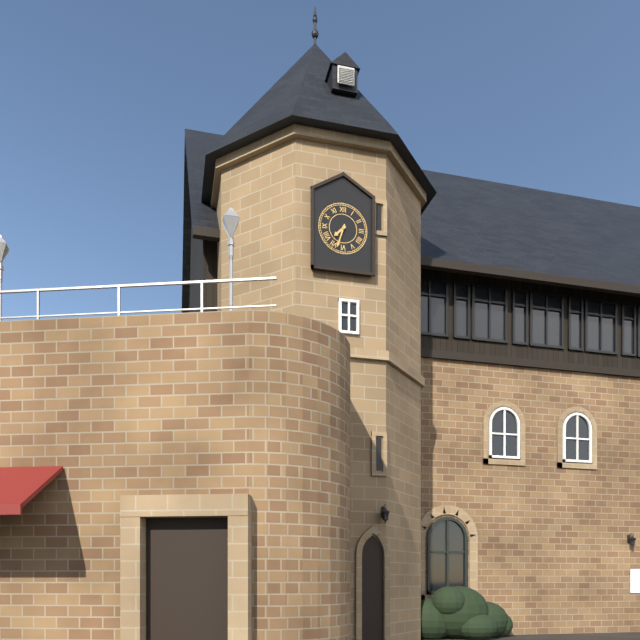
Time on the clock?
7:33
